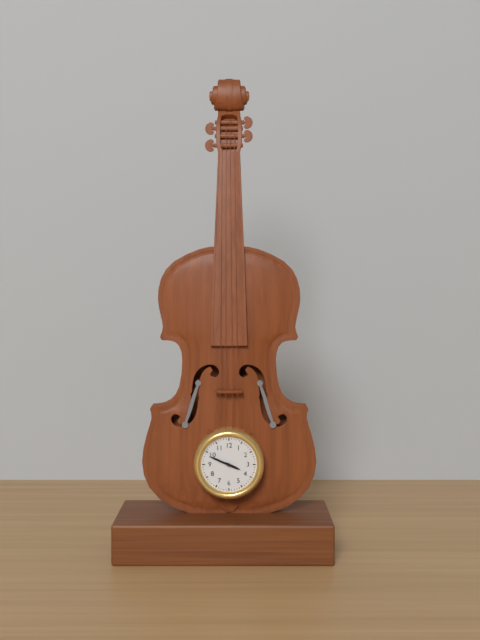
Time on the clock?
3:49
